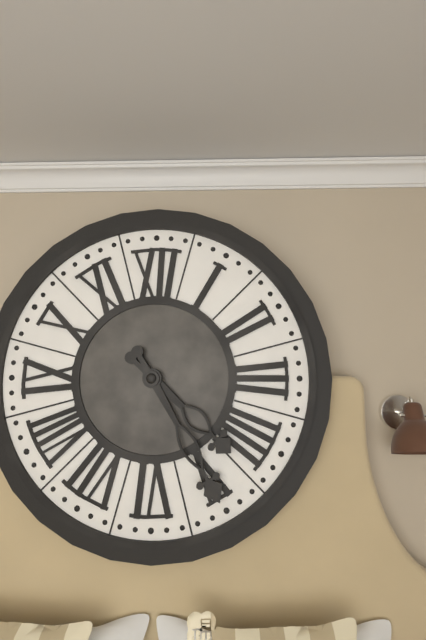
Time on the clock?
4:25
